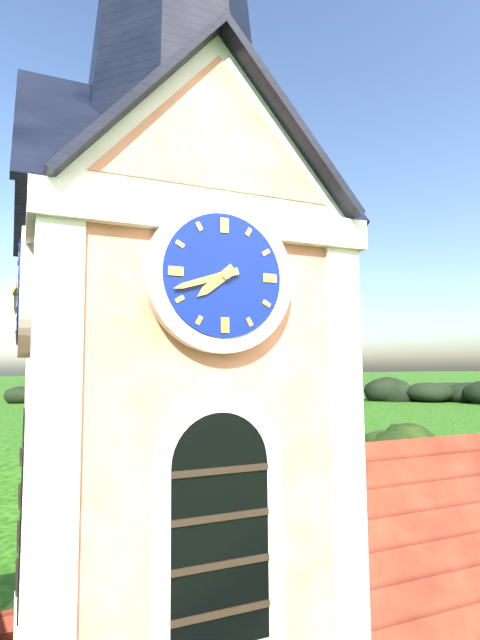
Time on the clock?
7:42
